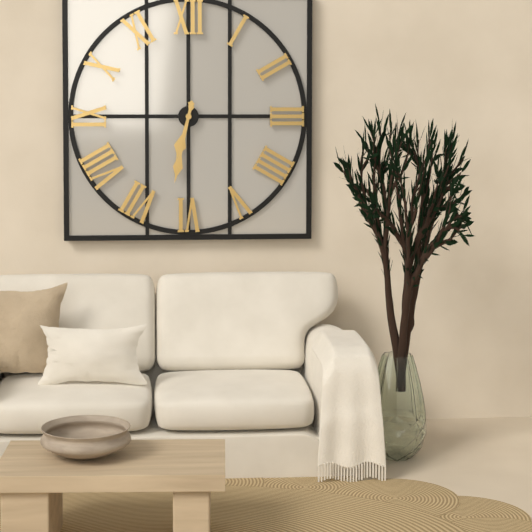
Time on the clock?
6:32
